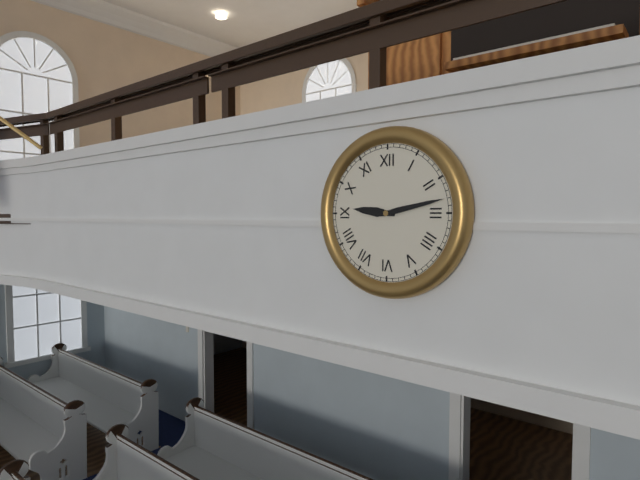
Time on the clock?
9:13
